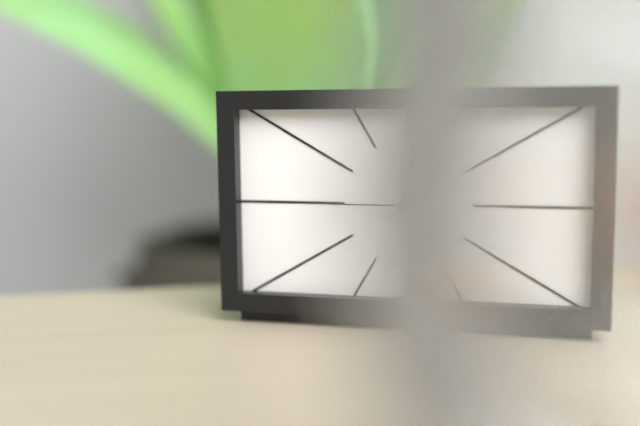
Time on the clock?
1:07:45
